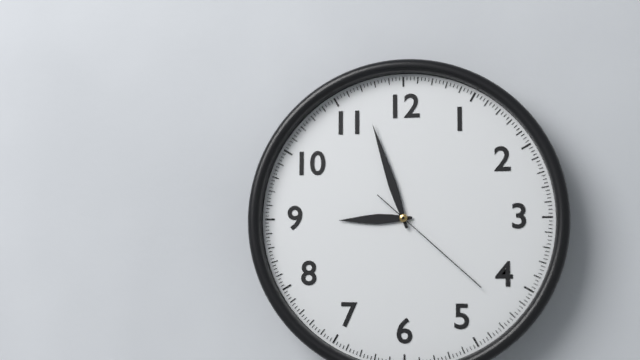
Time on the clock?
8:57:22
